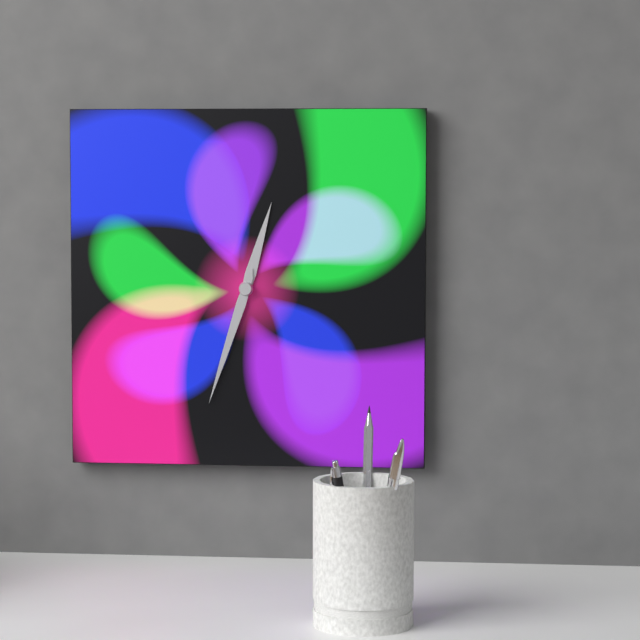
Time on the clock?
12:33
